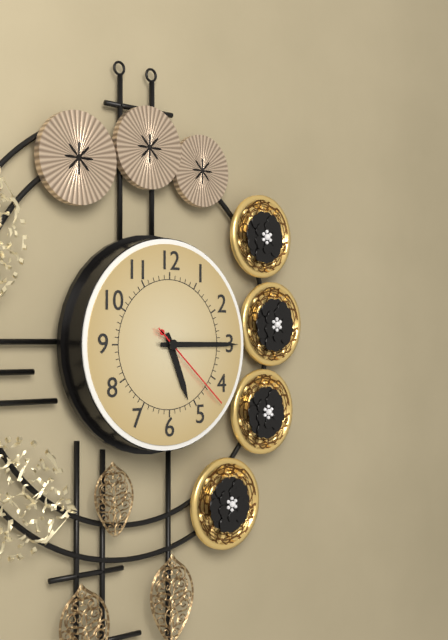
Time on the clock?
5:15:22
